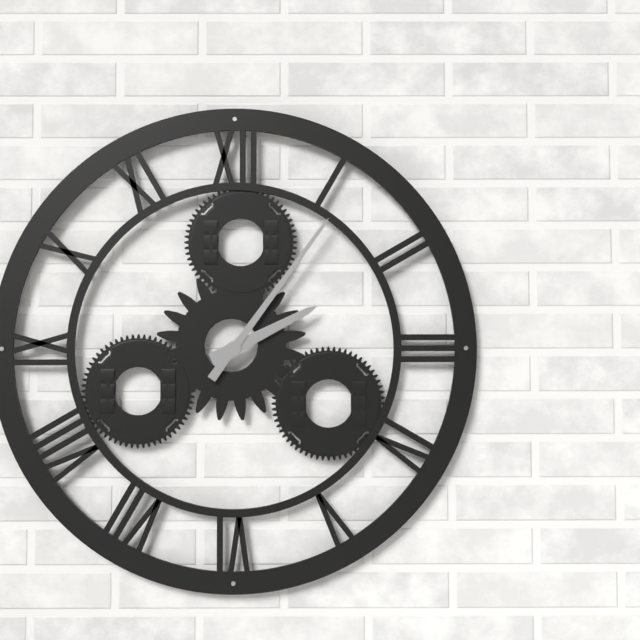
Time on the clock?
2:06
